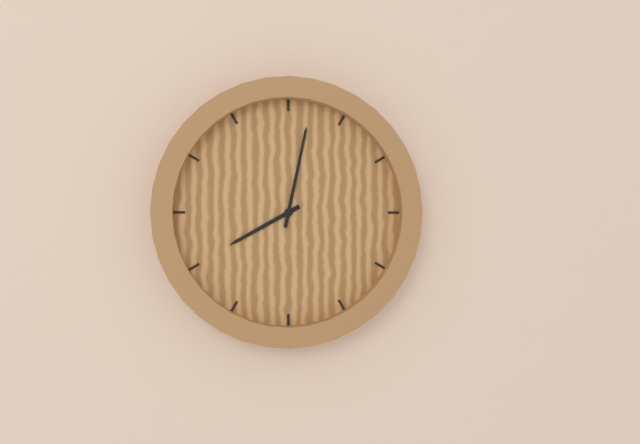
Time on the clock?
8:02
